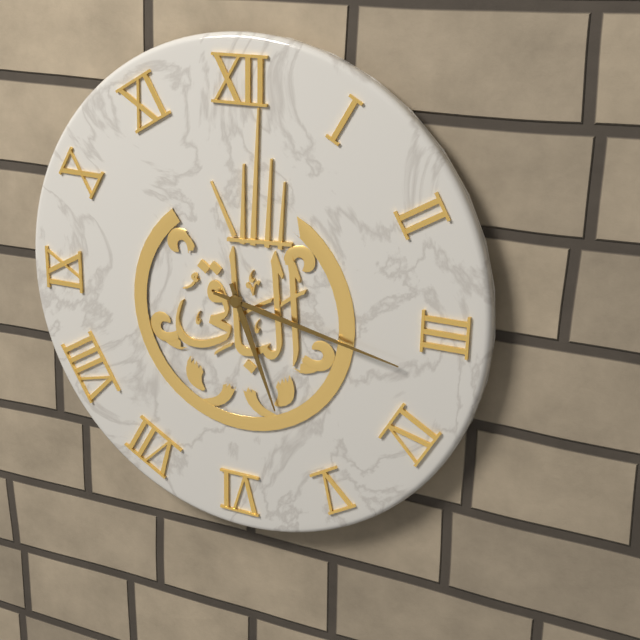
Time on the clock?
5:17
